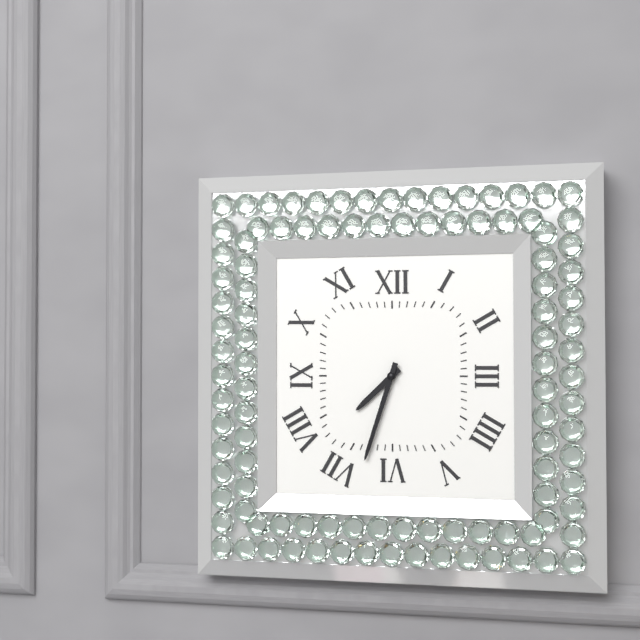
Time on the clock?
7:33
